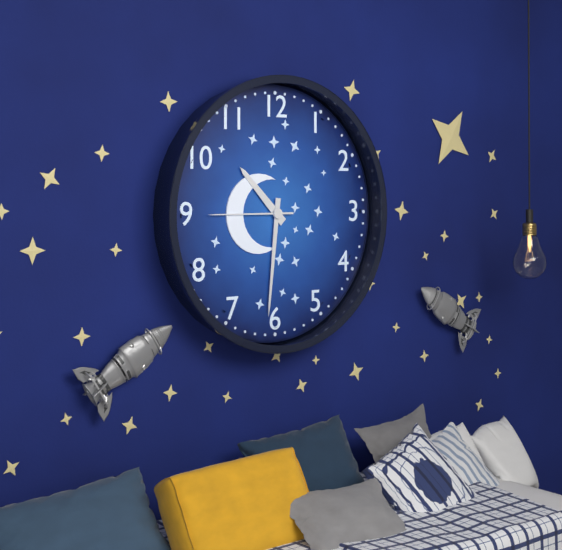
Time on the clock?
10:31:45
